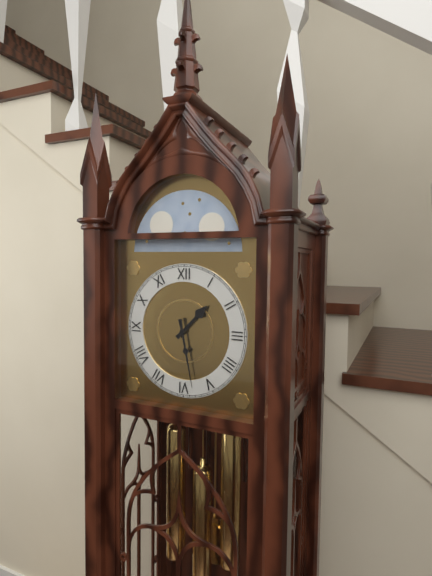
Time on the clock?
1:28
